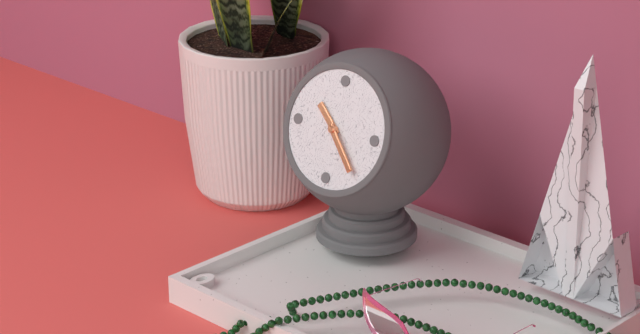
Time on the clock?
10:23
